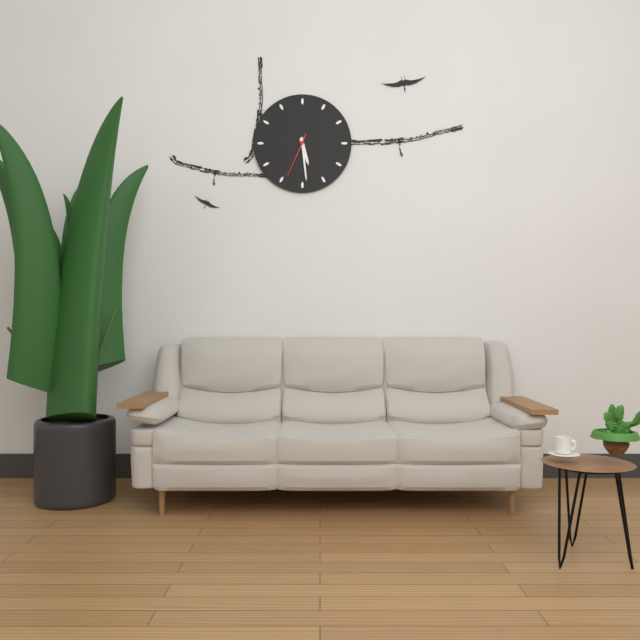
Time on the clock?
5:29
